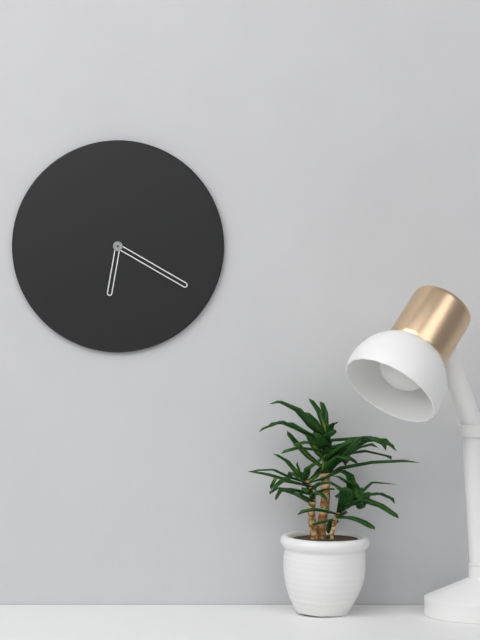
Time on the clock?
6:20
